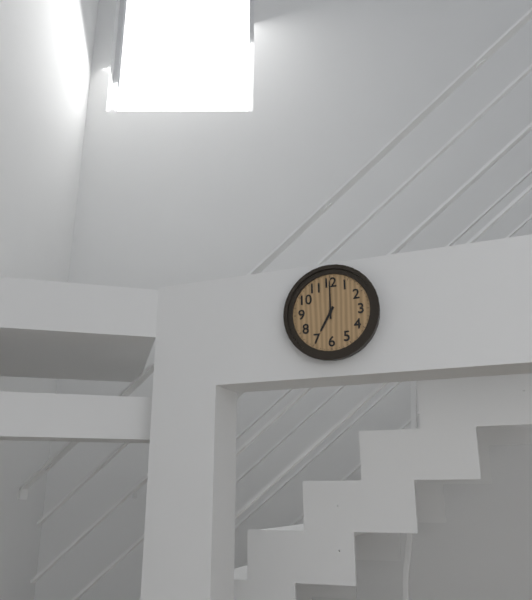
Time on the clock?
7:00
